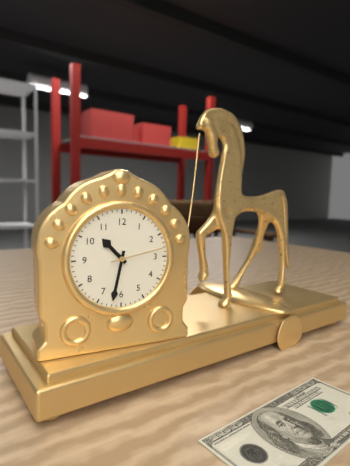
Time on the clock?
10:32:13
